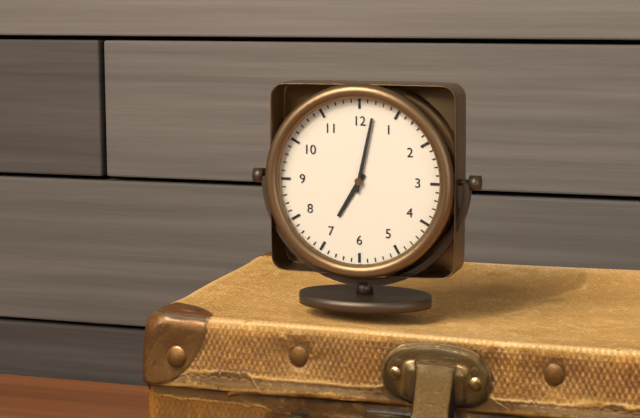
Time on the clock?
7:02
